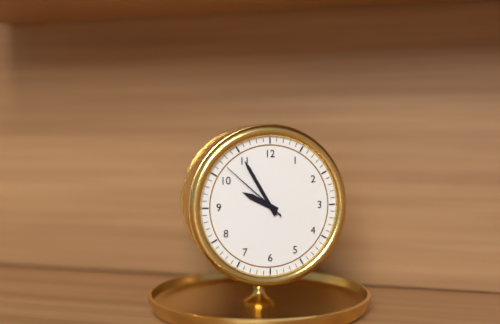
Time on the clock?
9:55:52
